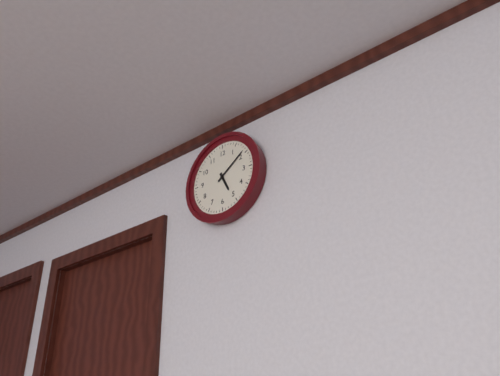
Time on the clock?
5:09
